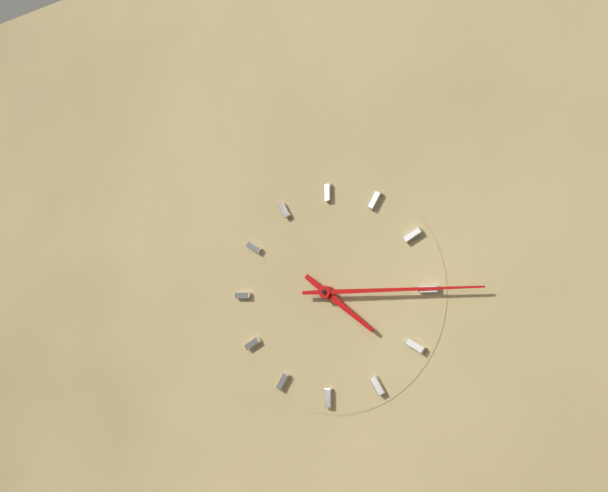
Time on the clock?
4:15
